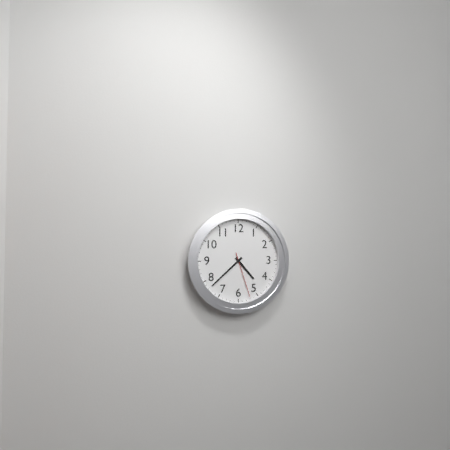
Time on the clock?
4:38
